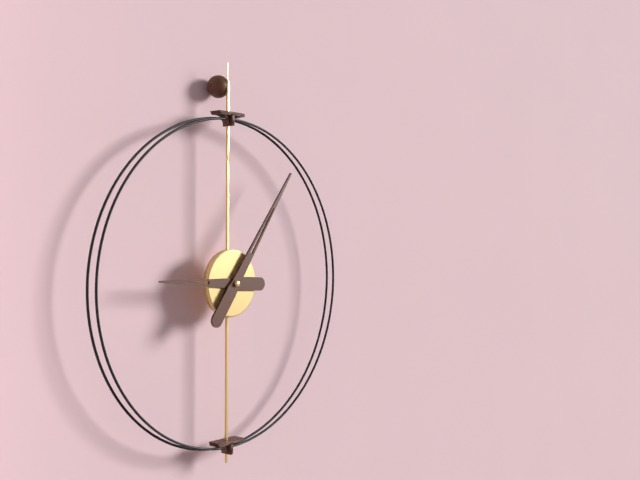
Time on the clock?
9:06
